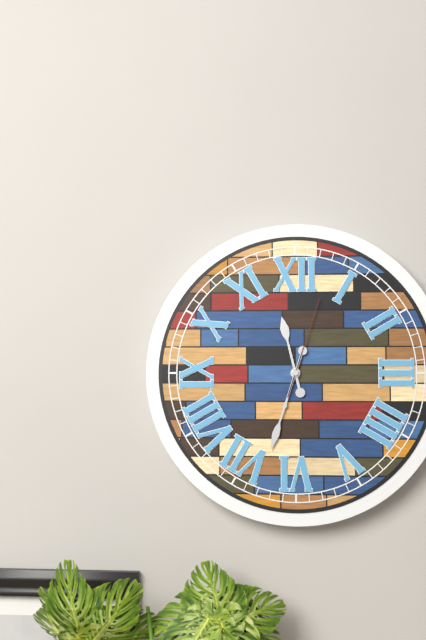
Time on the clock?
11:33:03
